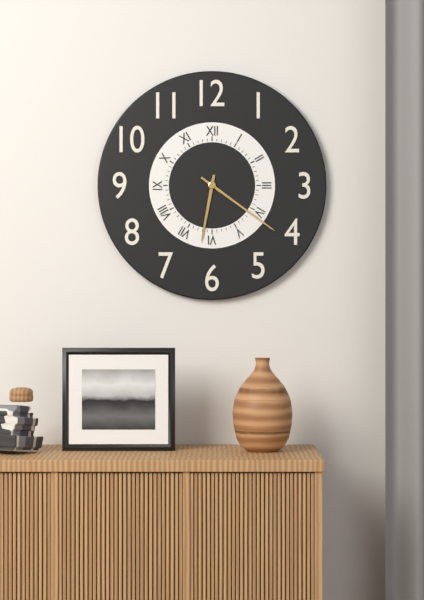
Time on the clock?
6:21
